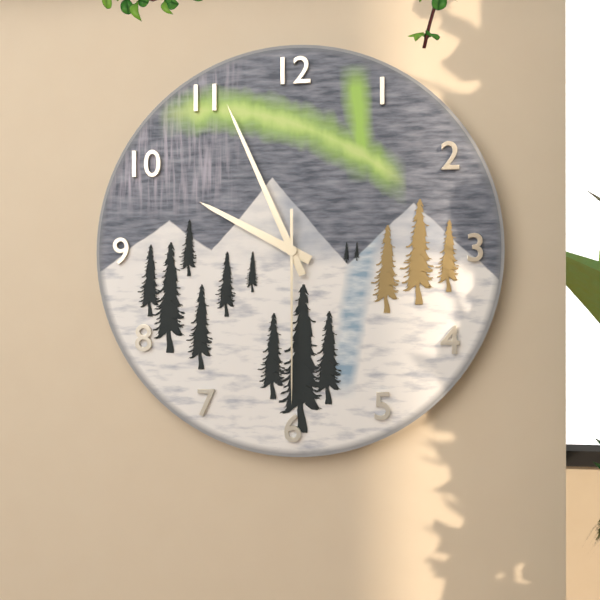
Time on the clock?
9:56:30
